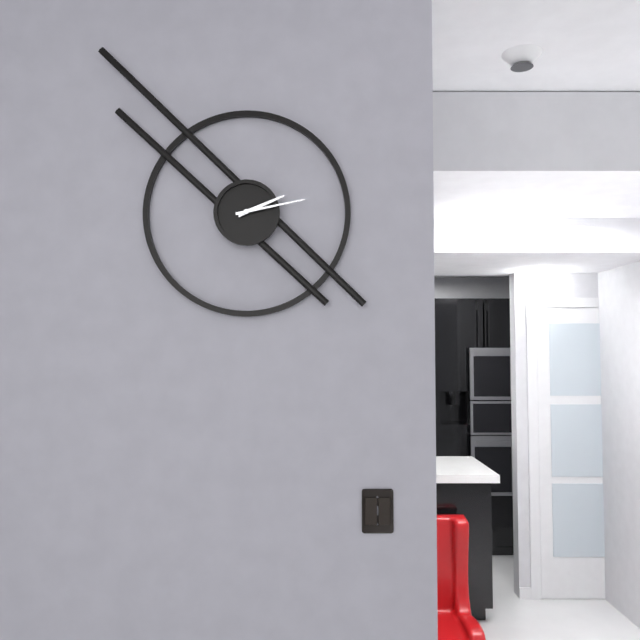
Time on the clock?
2:13
